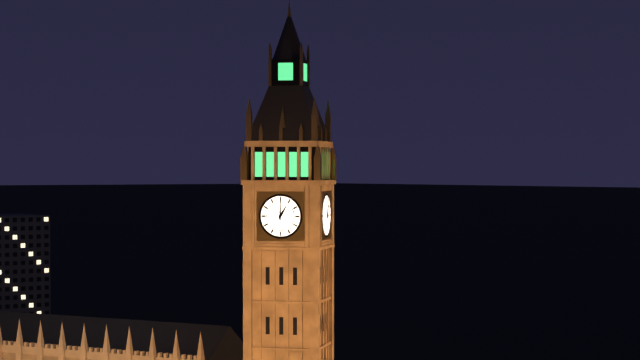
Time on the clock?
1:00
